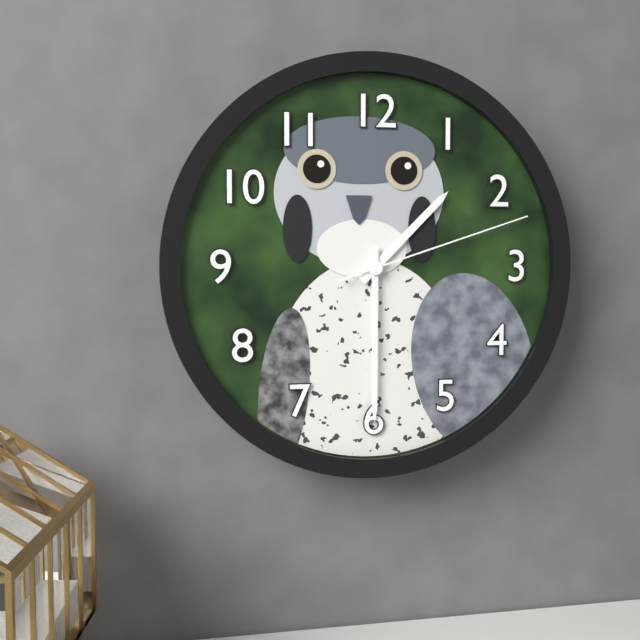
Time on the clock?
1:30:12
